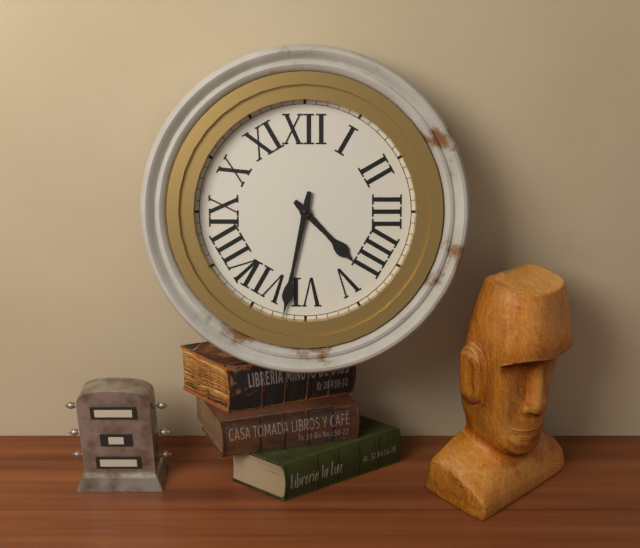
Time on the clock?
4:32
